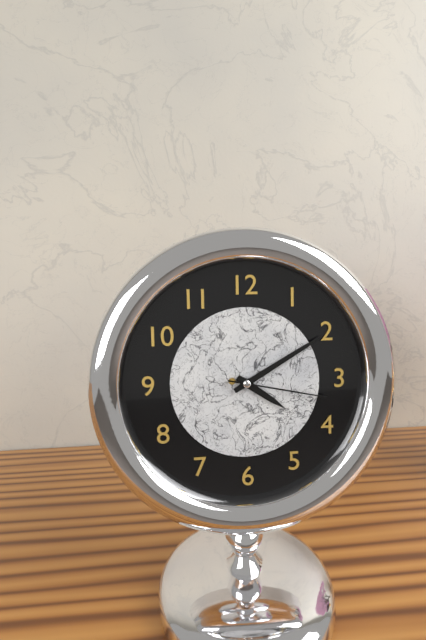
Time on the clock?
4:10:17
